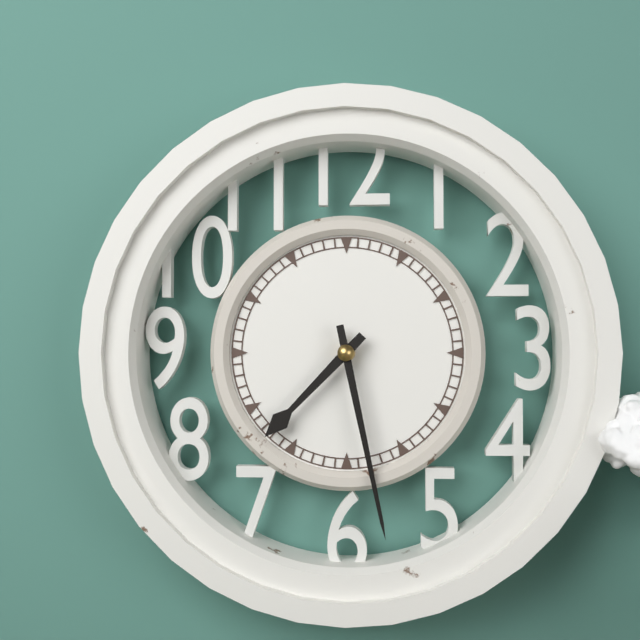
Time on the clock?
7:28
